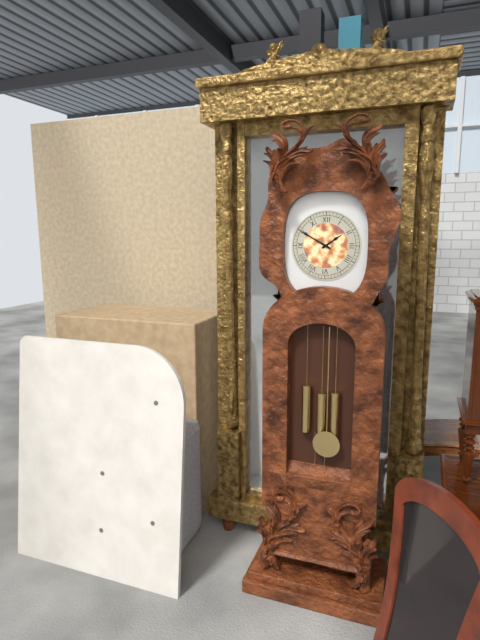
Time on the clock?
1:50
